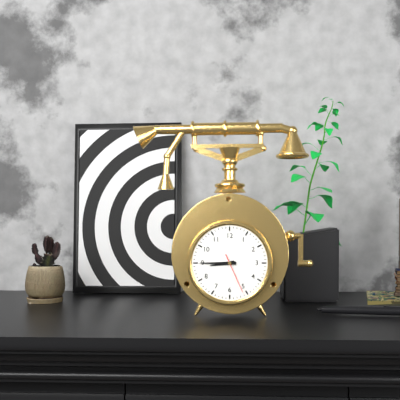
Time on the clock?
8:45
